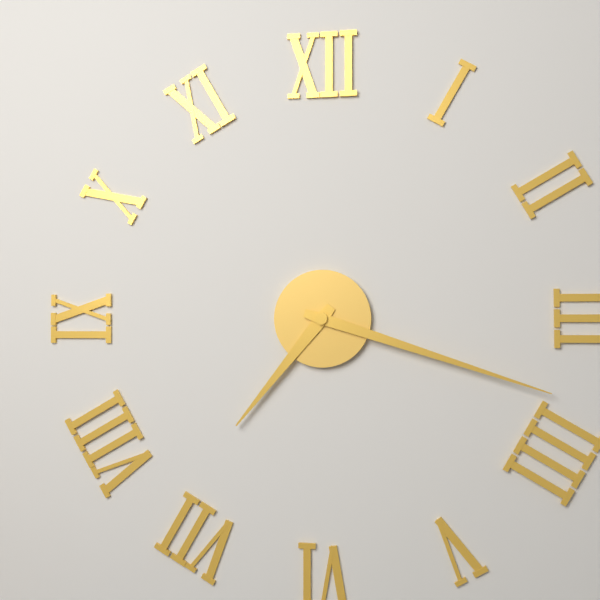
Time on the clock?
7:18
